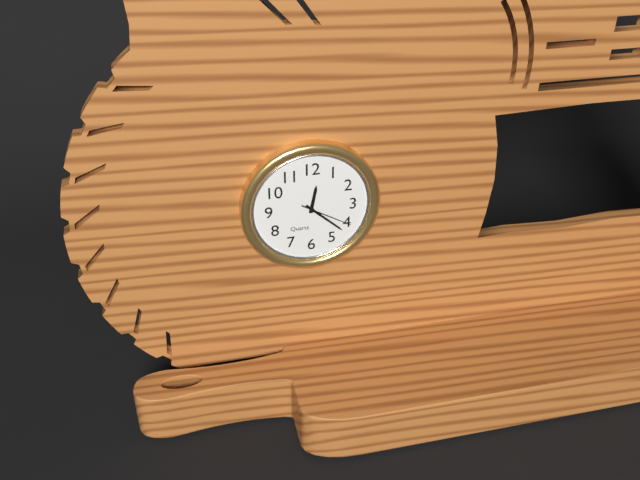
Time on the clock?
12:22:20
